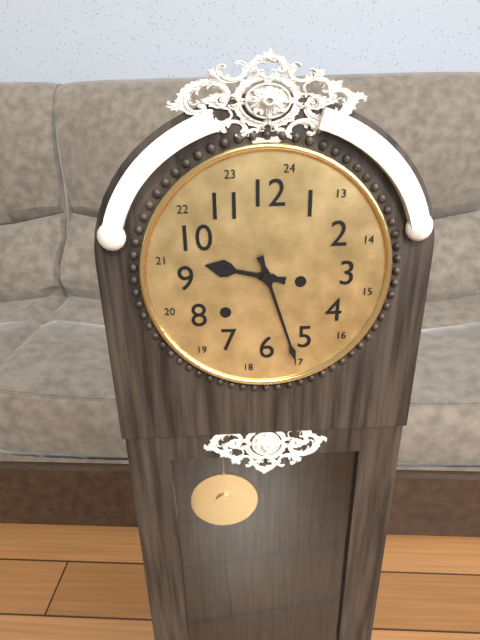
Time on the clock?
9:27
